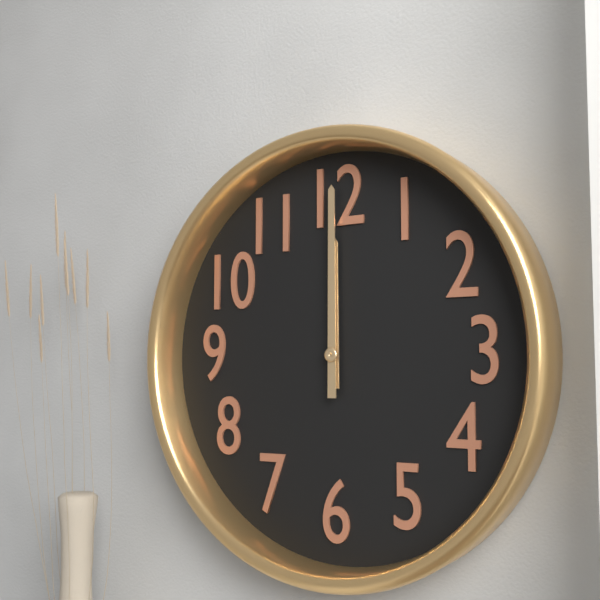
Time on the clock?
12:00
